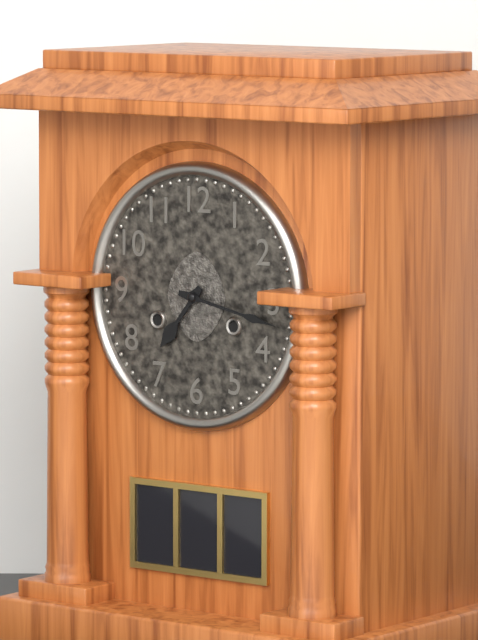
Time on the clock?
7:17
